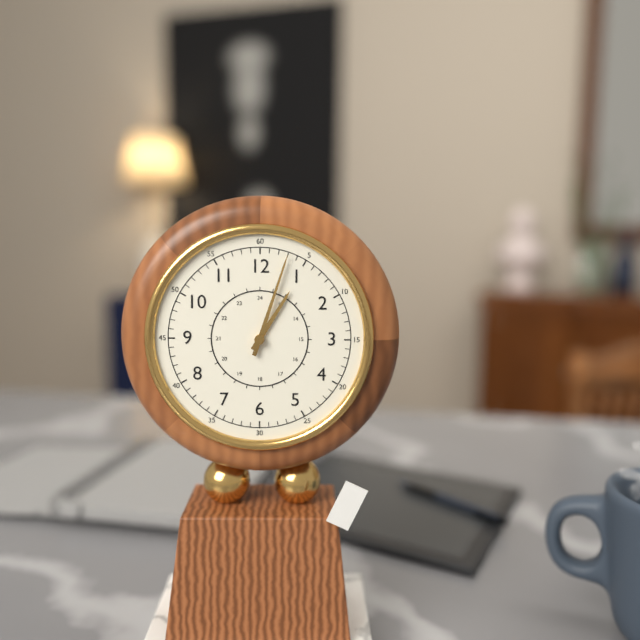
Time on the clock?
1:03
